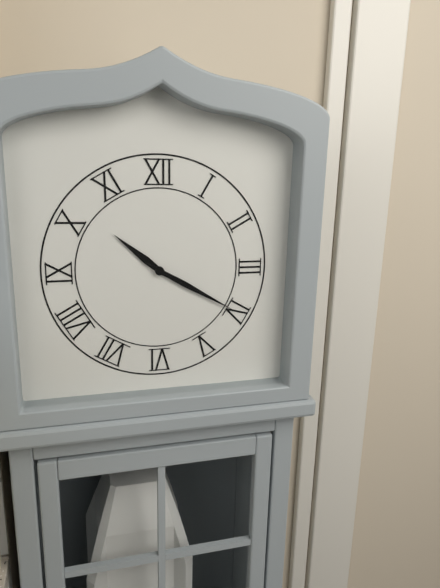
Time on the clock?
10:20
